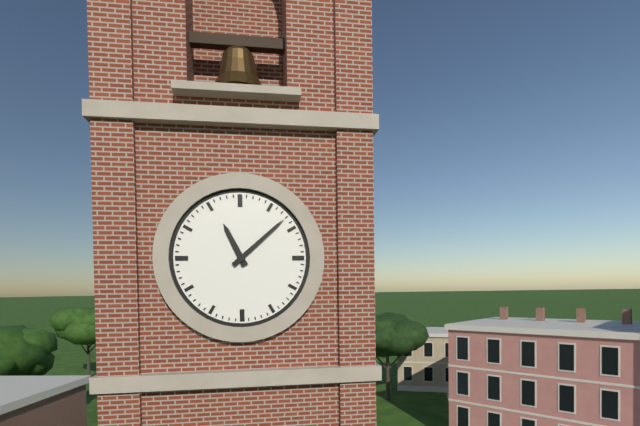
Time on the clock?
11:08
